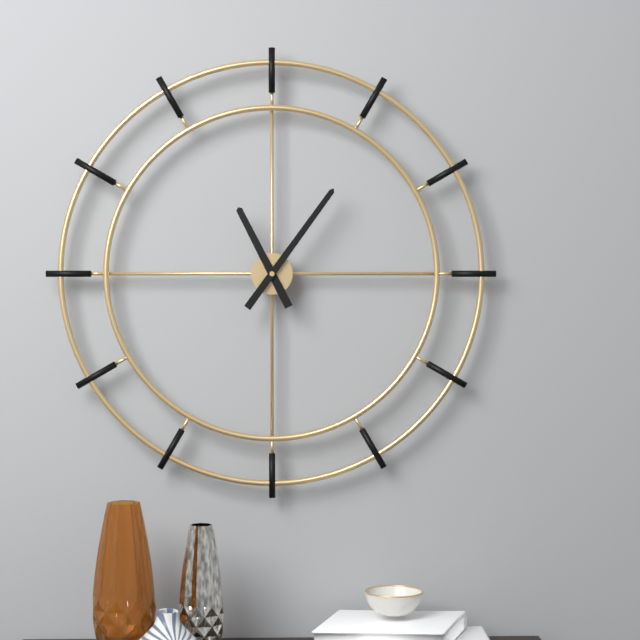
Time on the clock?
11:06
